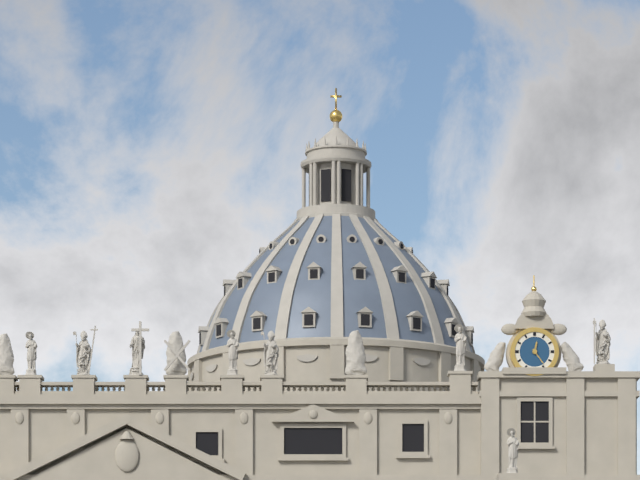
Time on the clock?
12:24
